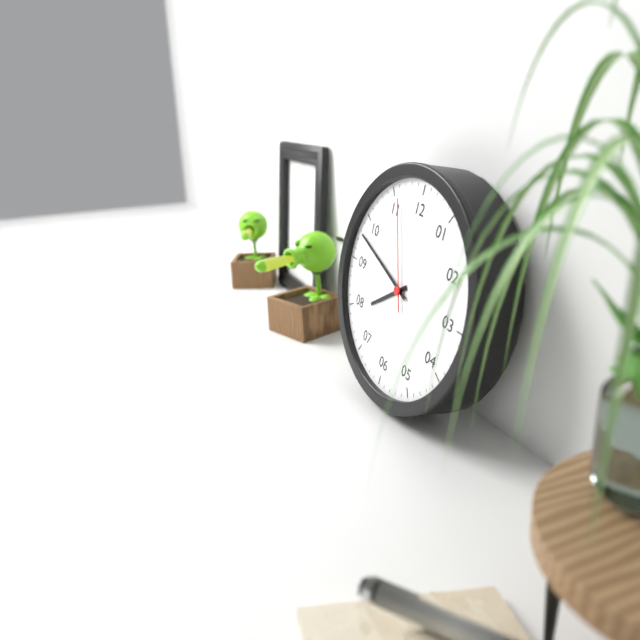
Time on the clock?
7:48:56
